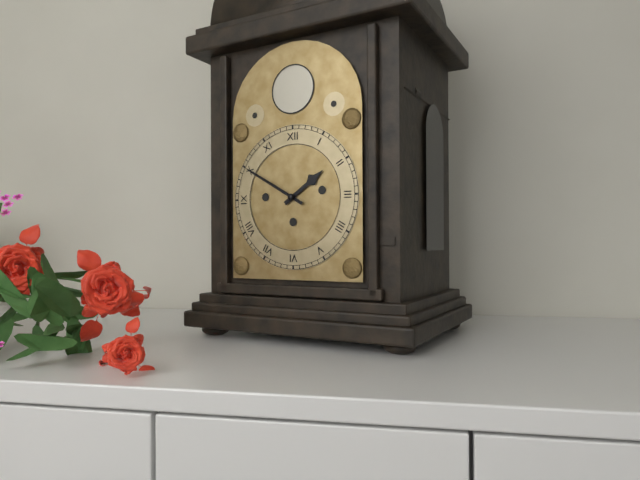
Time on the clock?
1:50
